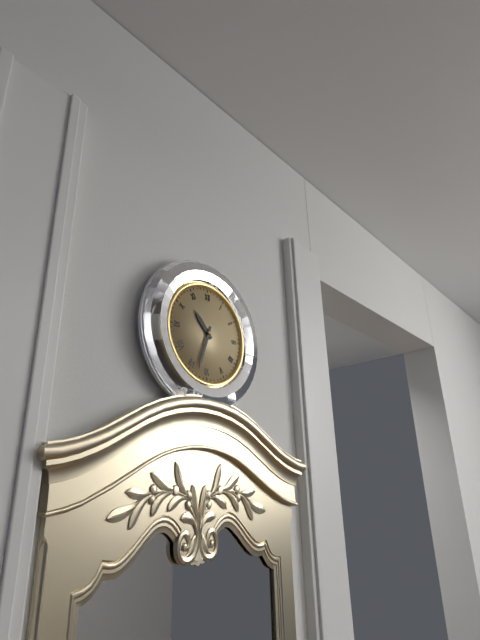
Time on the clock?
10:33
